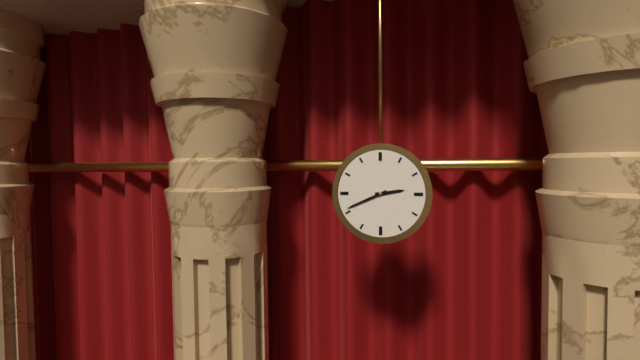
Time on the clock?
2:41
